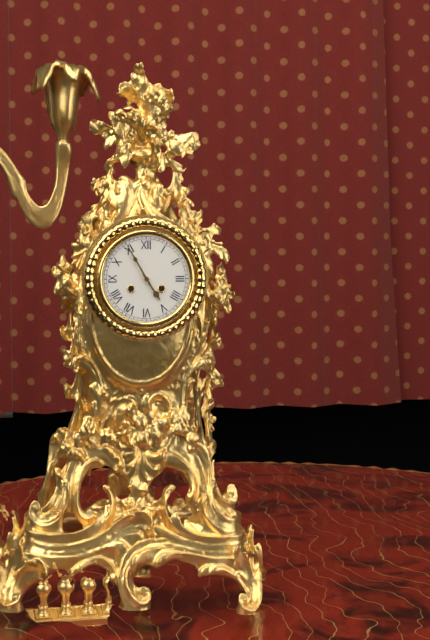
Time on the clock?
4:55
